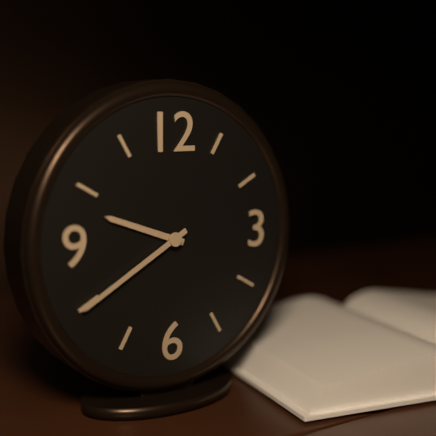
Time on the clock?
9:40
